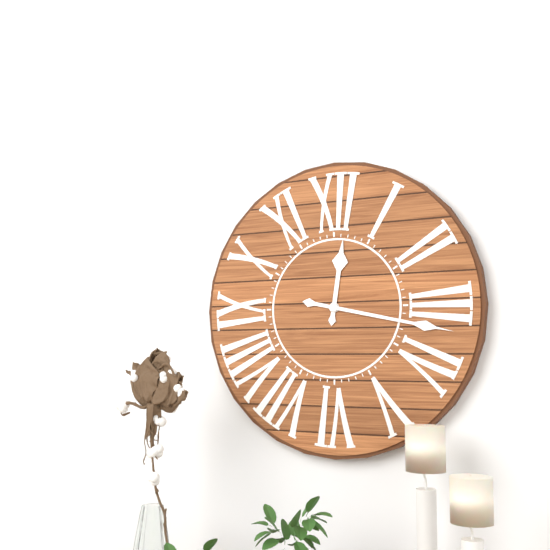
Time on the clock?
12:17
